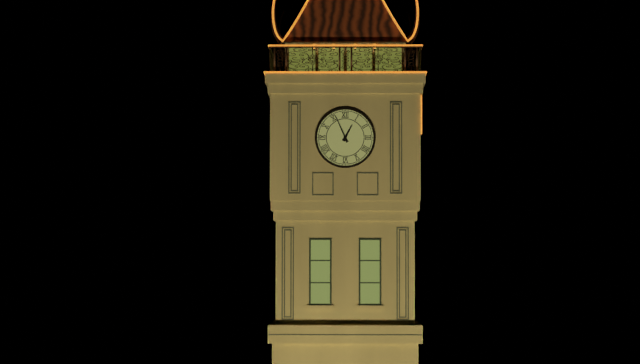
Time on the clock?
12:56
